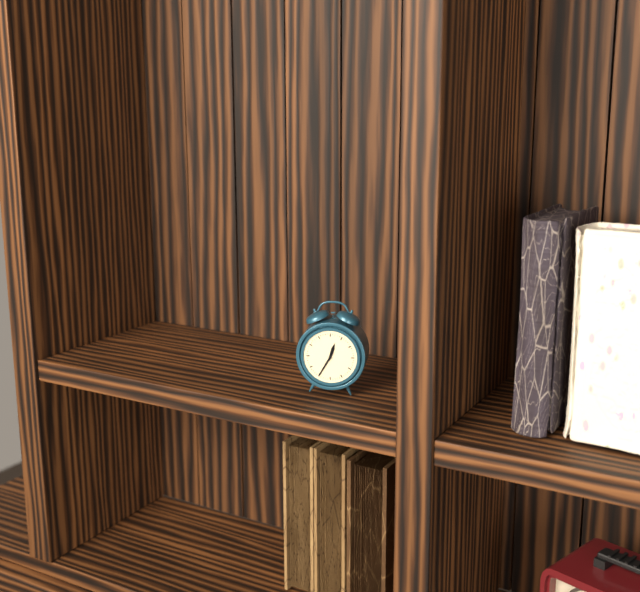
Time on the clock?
12:35
